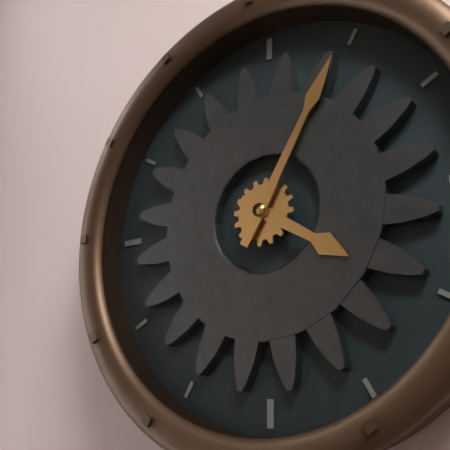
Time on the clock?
4:05
